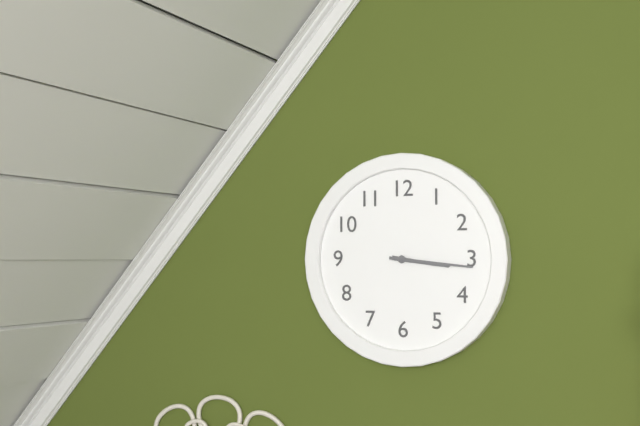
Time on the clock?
3:16
